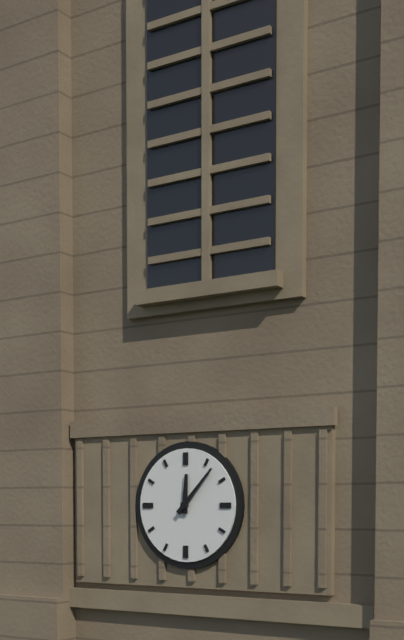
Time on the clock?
12:07
